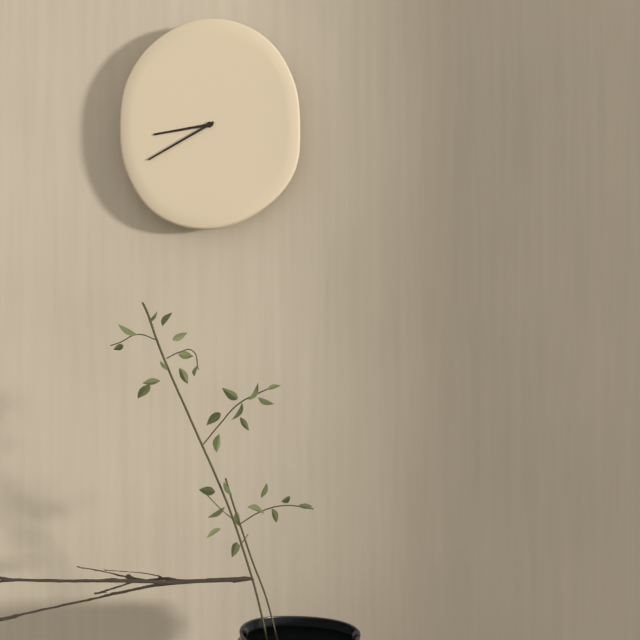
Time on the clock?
8:40
